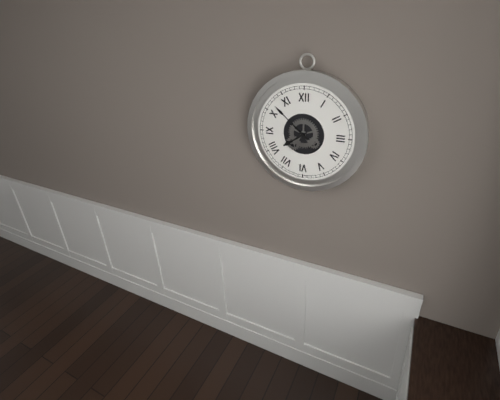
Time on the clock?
7:52
